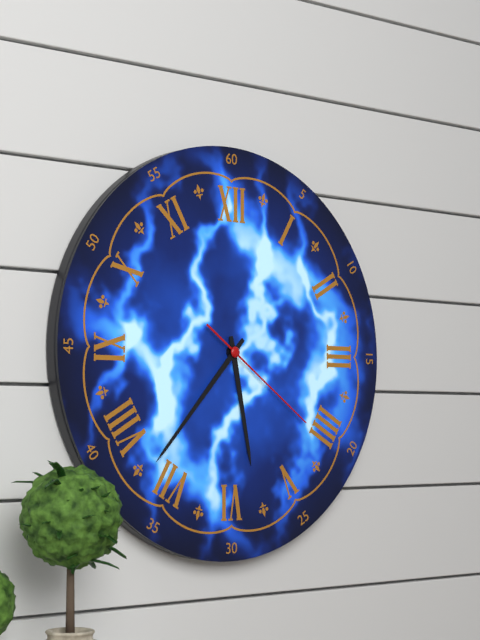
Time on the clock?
5:37:21
